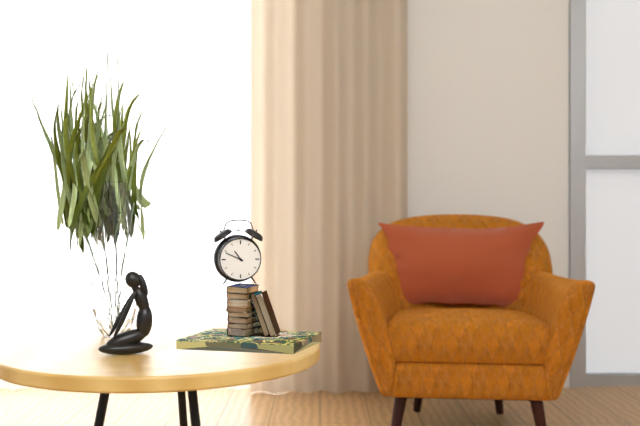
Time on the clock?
10:49
